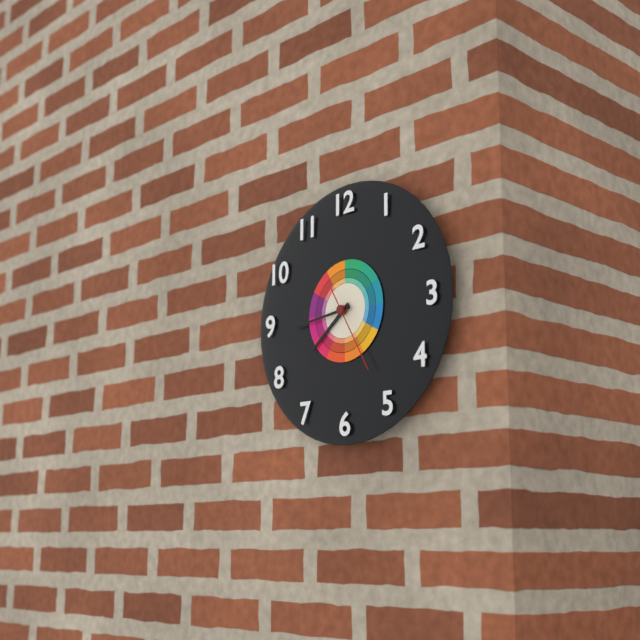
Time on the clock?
7:44:25
